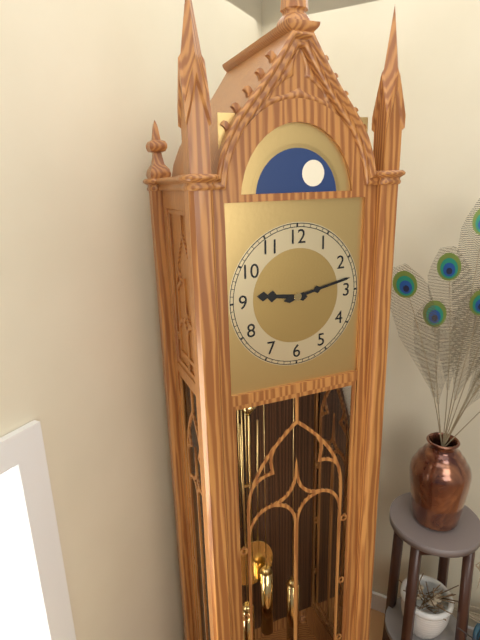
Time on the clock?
9:13
